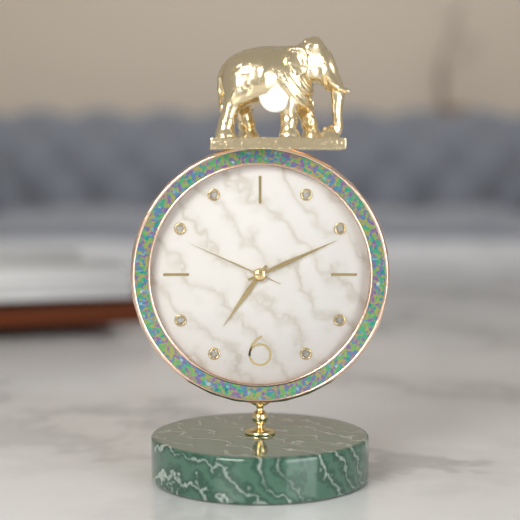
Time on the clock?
7:11:49
